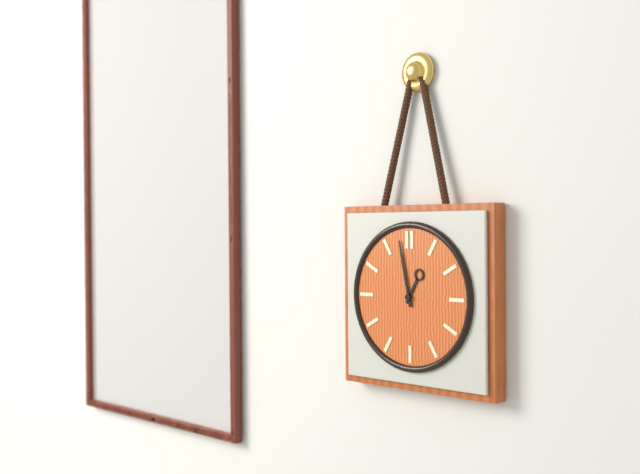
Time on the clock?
12:58
